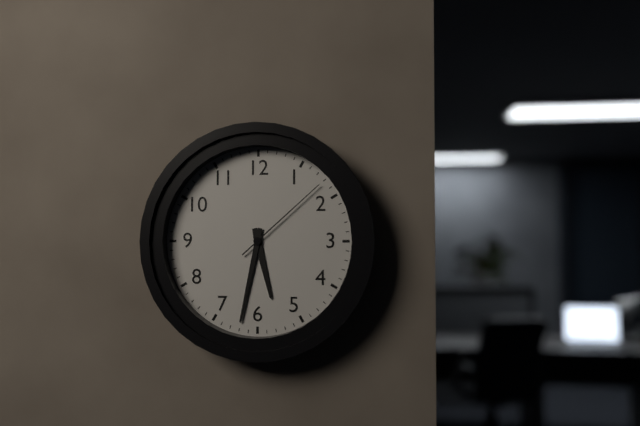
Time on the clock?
5:32:08
